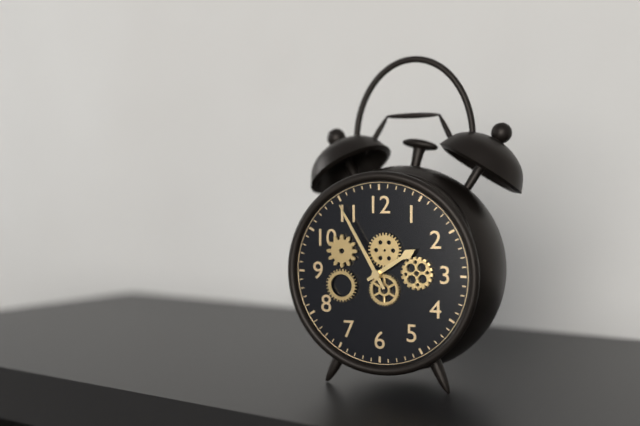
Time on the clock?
1:55
